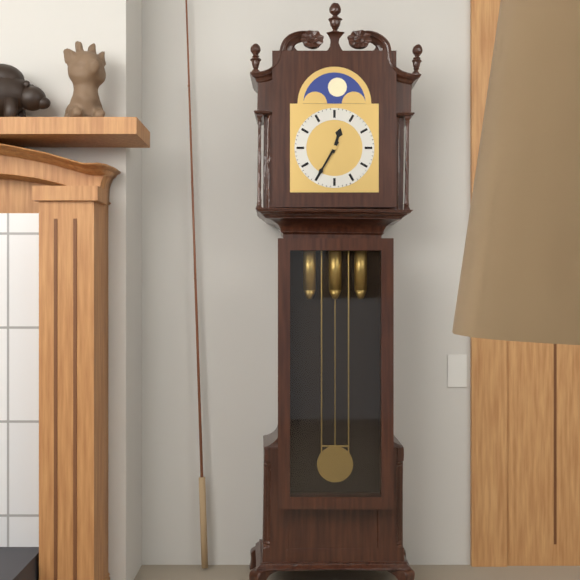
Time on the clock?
12:35
